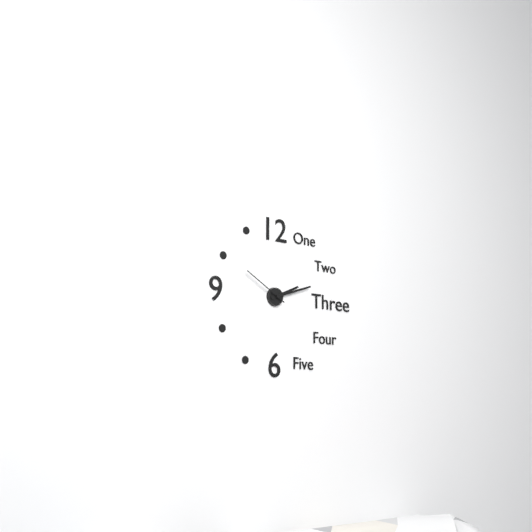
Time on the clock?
2:12
